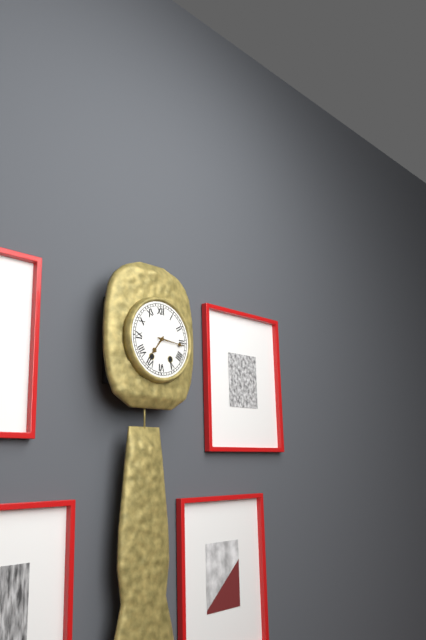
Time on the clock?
7:16
